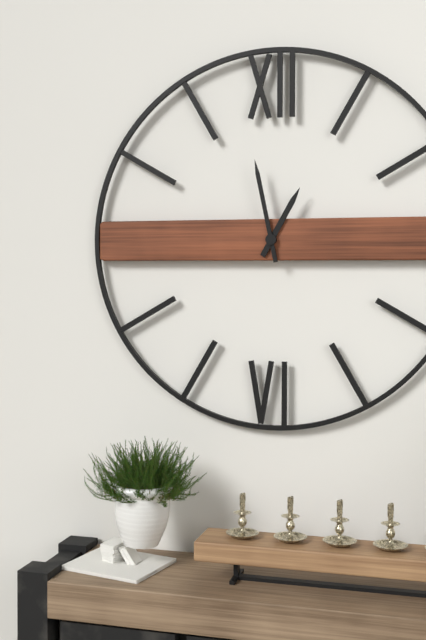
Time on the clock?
12:58
